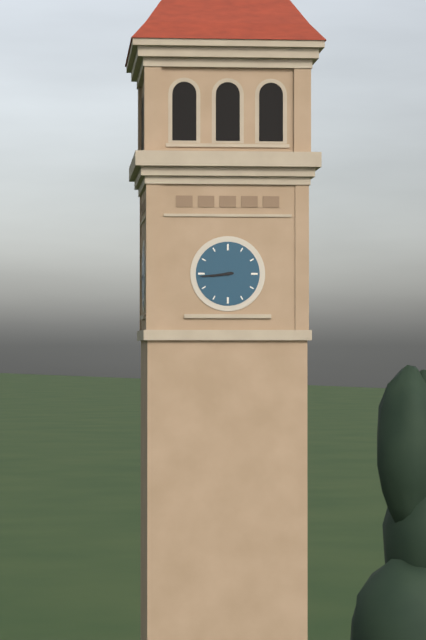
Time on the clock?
8:44
